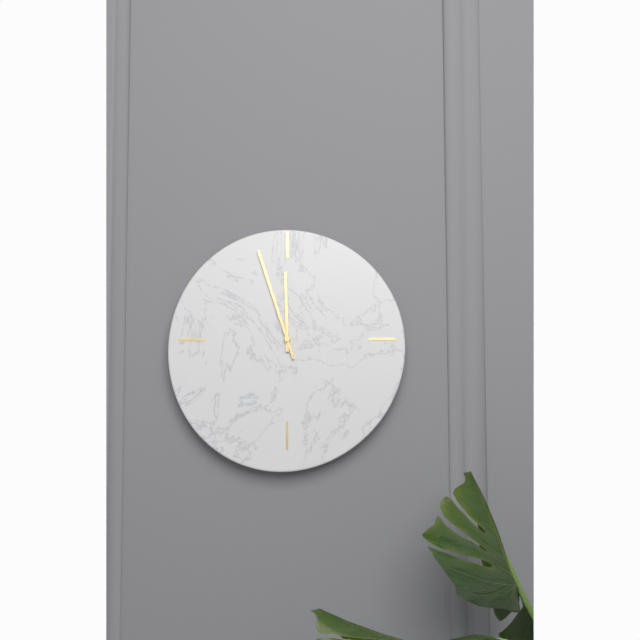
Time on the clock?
11:57
